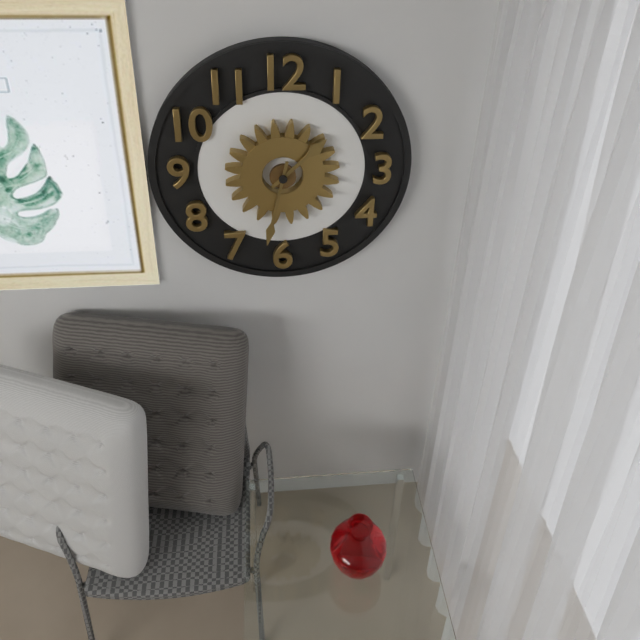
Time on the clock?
1:32
